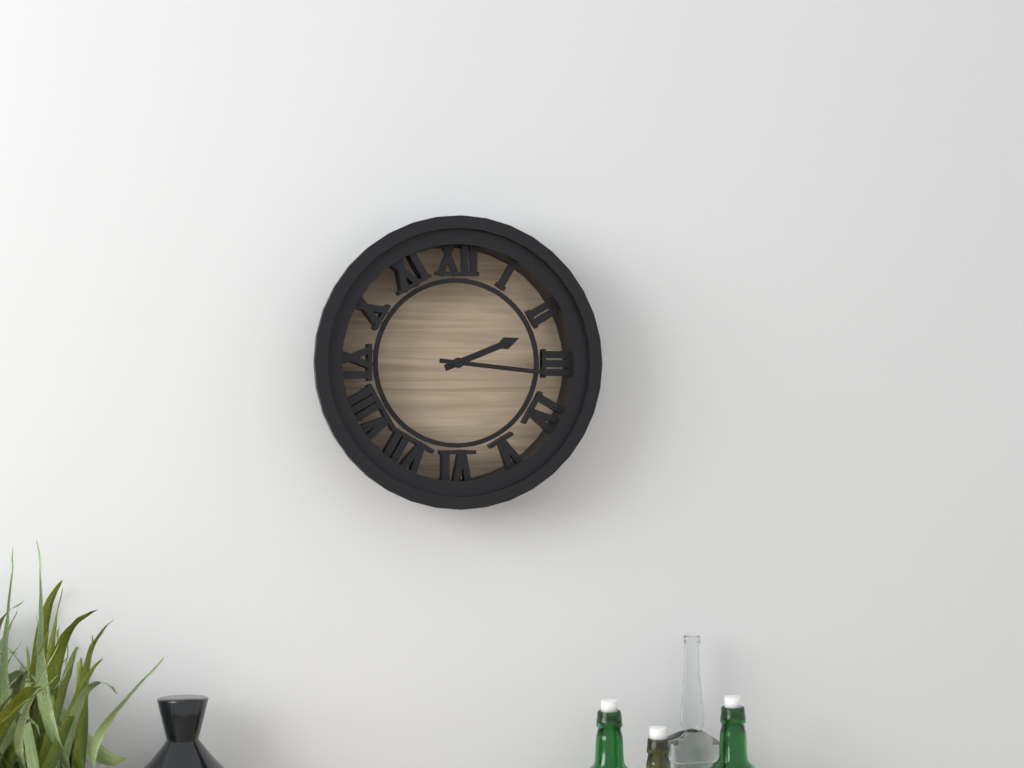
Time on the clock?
2:16
